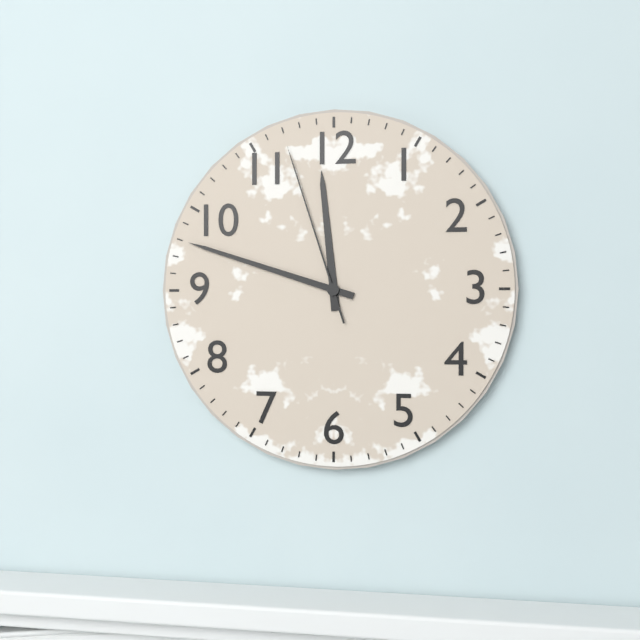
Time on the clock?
11:48:57
